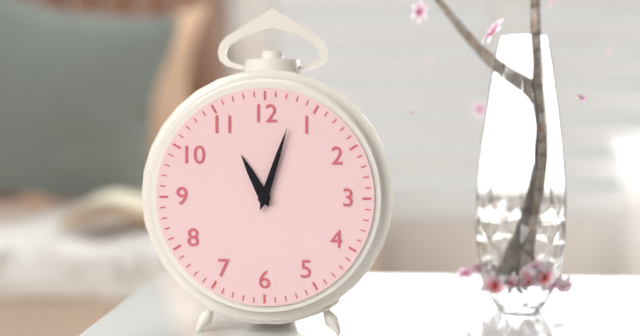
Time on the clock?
11:03
